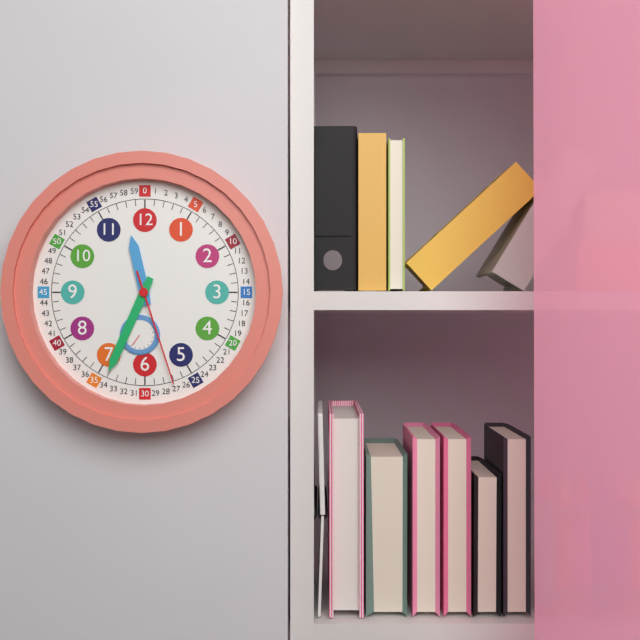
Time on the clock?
11:34:27
